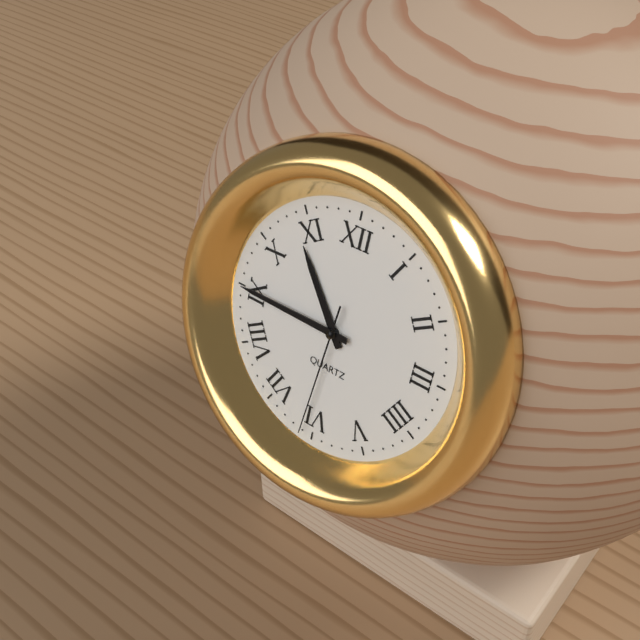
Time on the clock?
10:45:31
